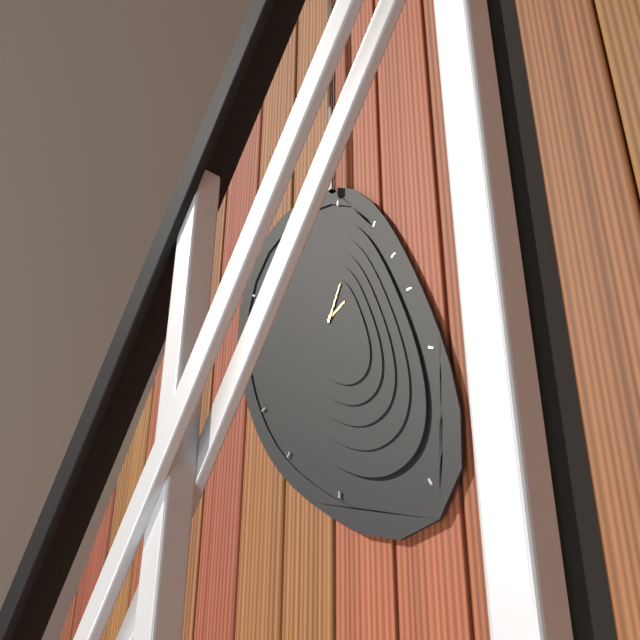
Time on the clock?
2:04
